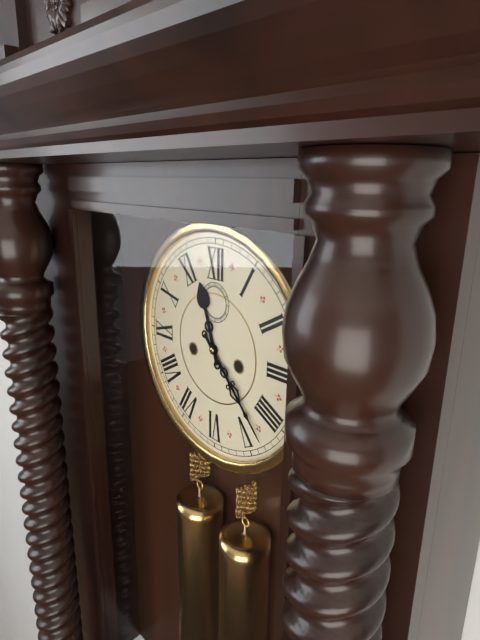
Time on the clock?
11:23
